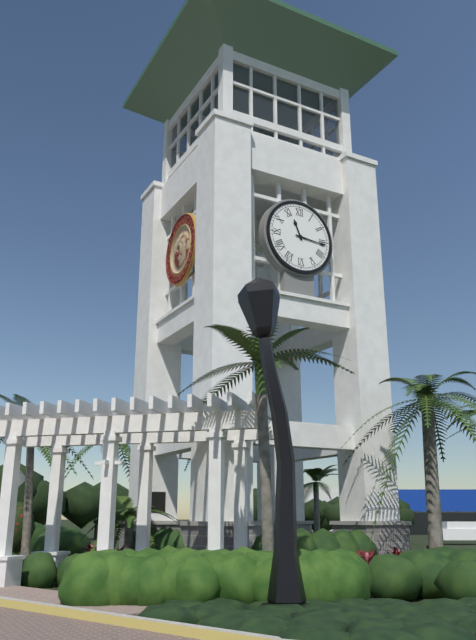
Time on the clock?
11:16
